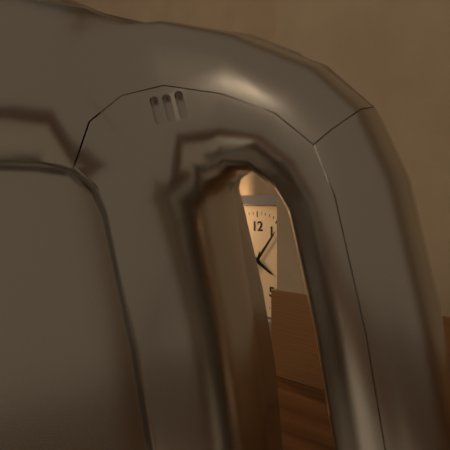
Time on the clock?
4:06
